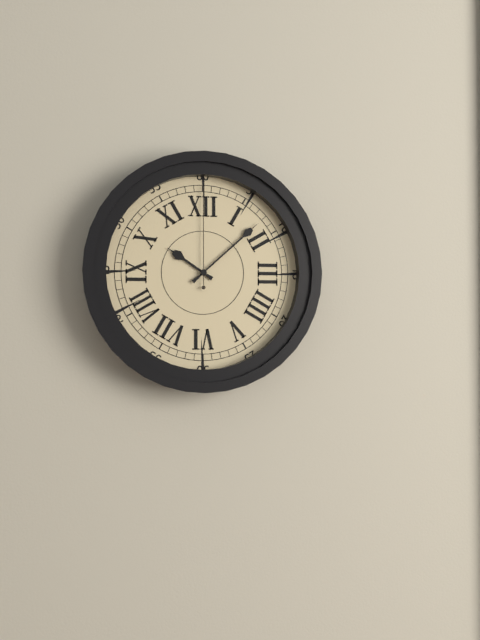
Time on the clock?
10:08:00
